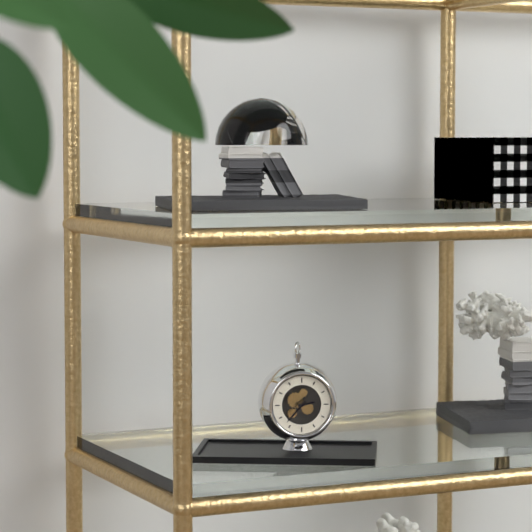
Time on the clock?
2:37
